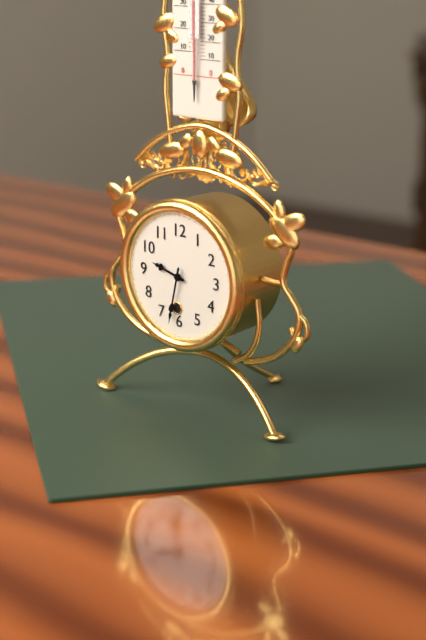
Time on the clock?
9:32
